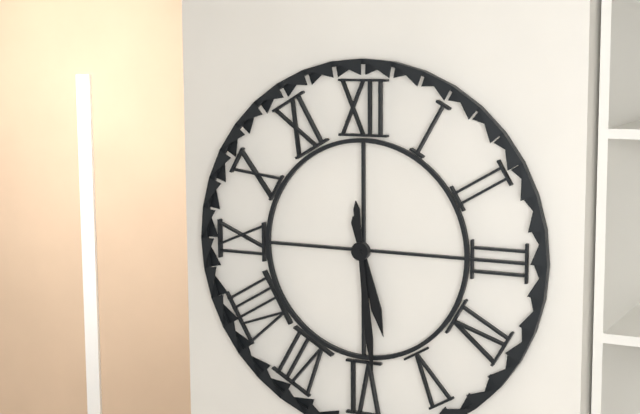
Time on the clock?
5:29
